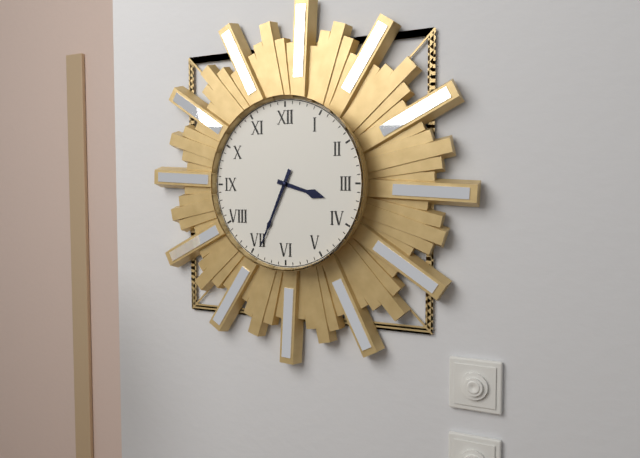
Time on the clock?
3:34
